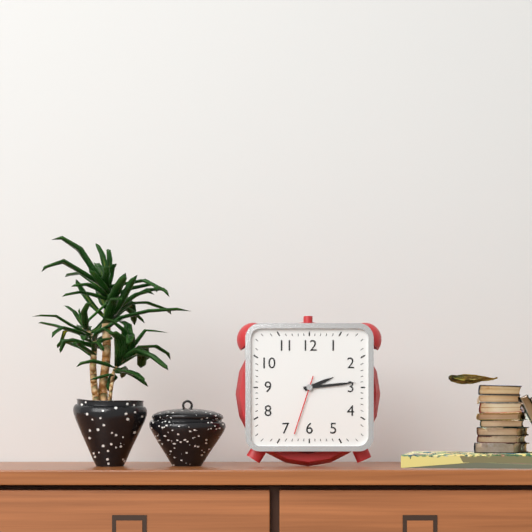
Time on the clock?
2:14:33
